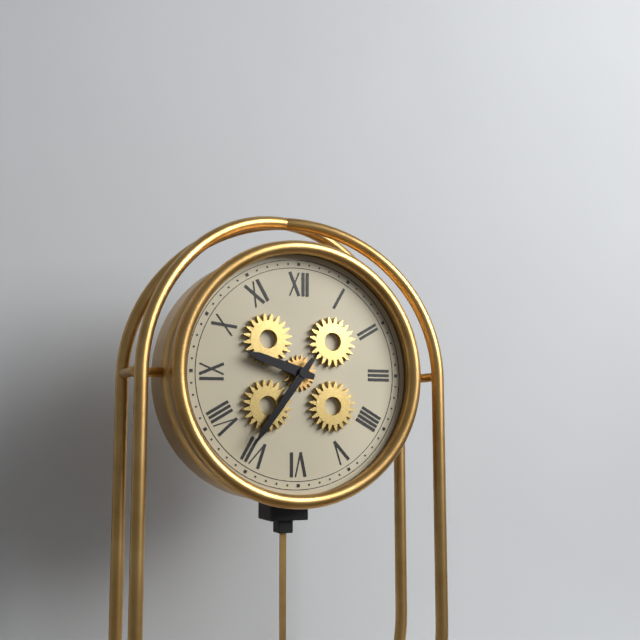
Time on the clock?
9:36
